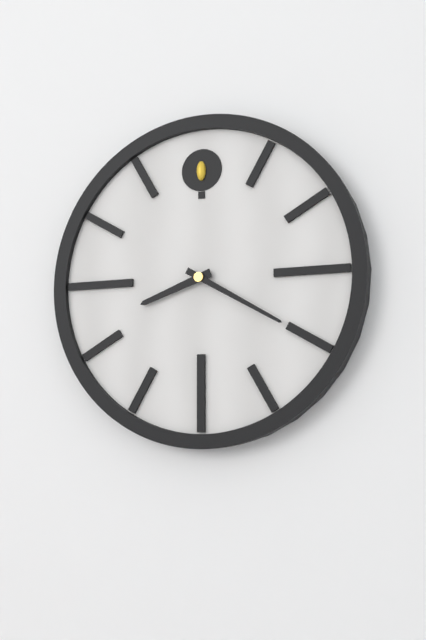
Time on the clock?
8:20
